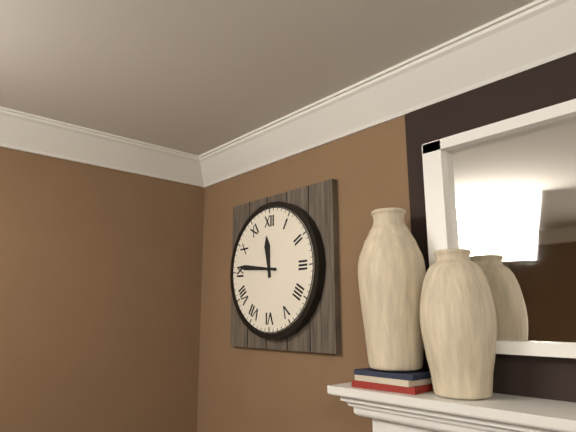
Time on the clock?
11:46
